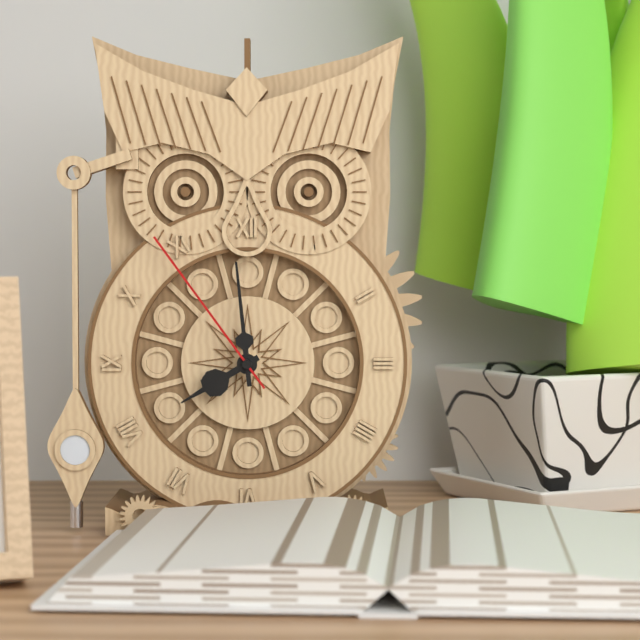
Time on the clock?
7:59:54
